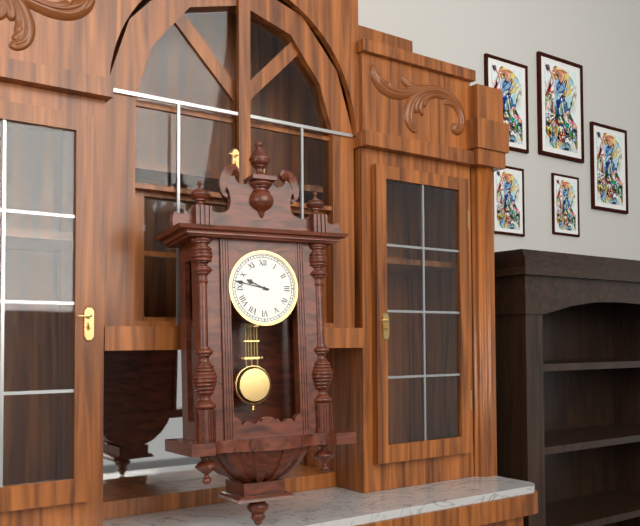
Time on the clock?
9:47
